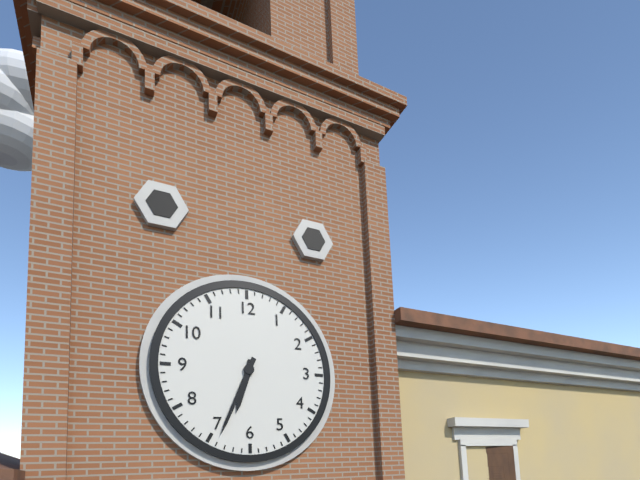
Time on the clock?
6:34
